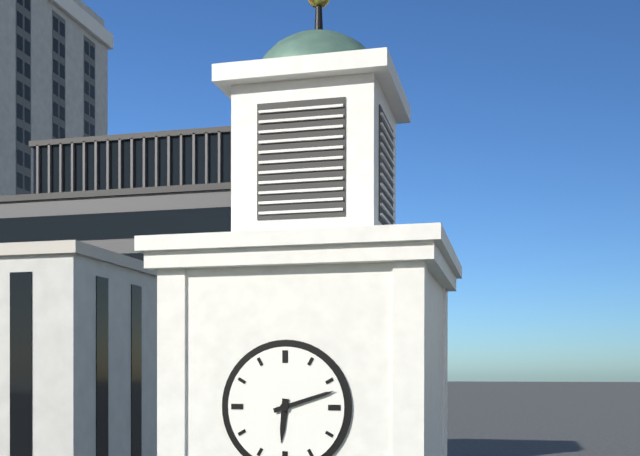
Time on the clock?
6:12
